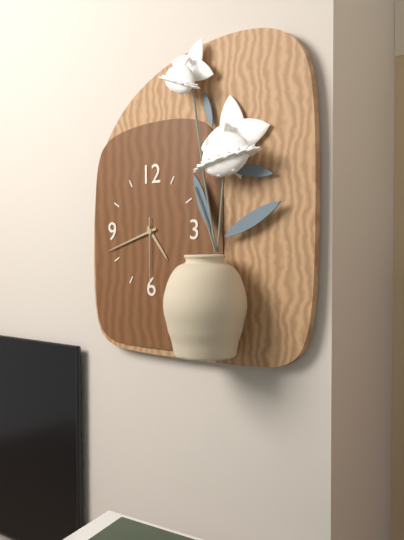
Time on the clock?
4:42:30
